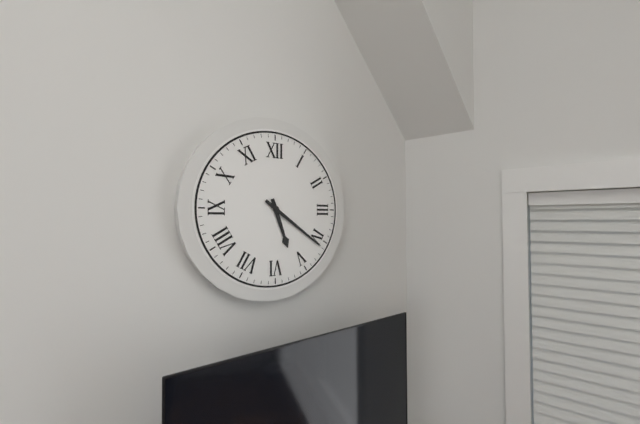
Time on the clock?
5:21
